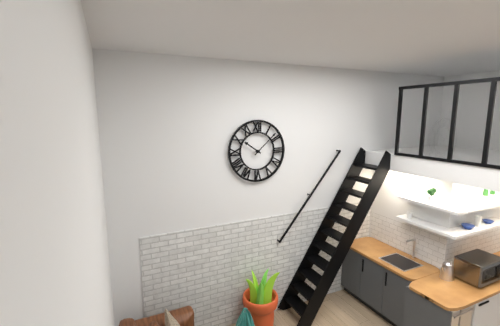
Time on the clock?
10:08
